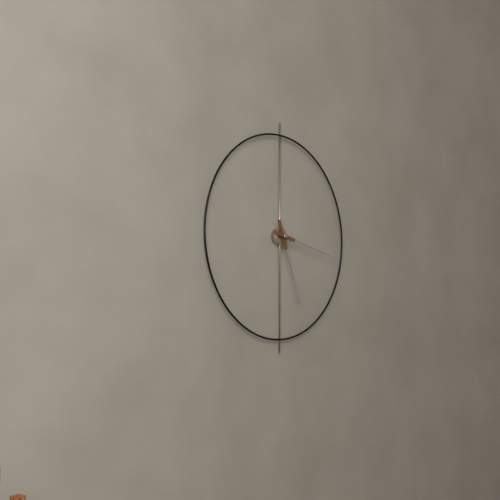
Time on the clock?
5:17
